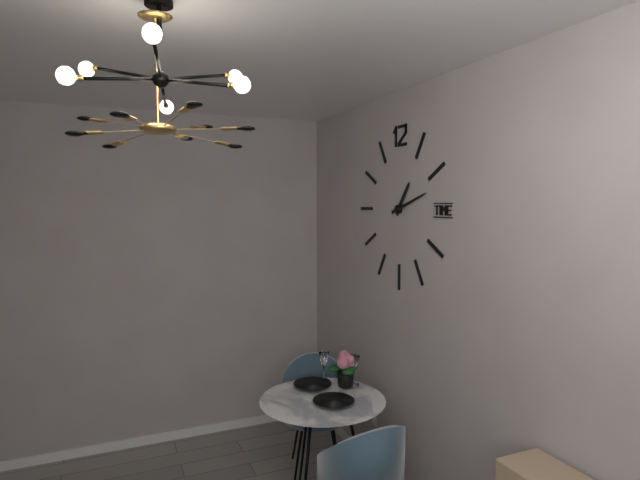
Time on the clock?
1:12
